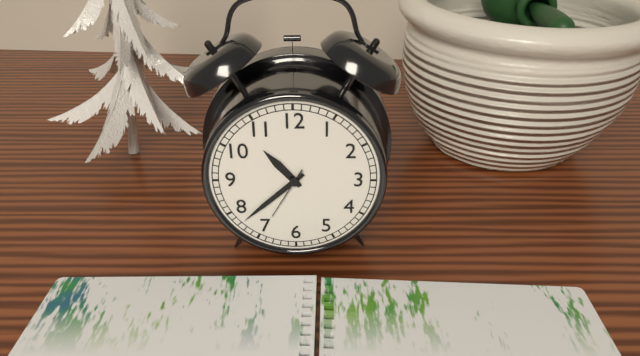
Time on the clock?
10:38:35
